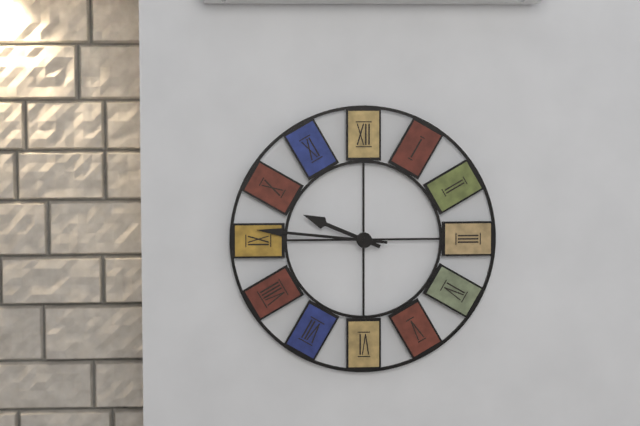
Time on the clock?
9:46
